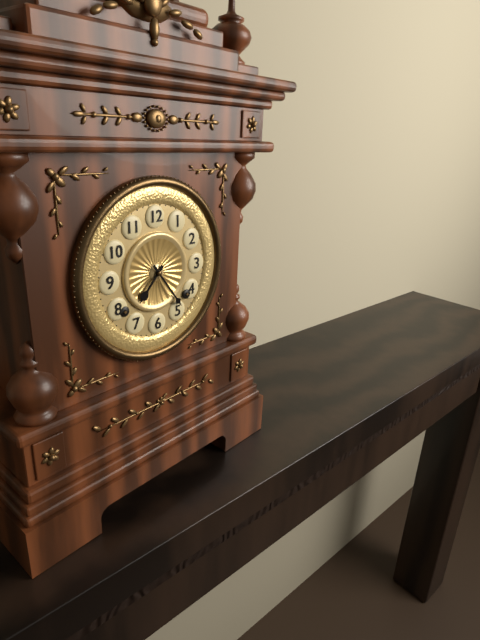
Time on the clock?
7:24
